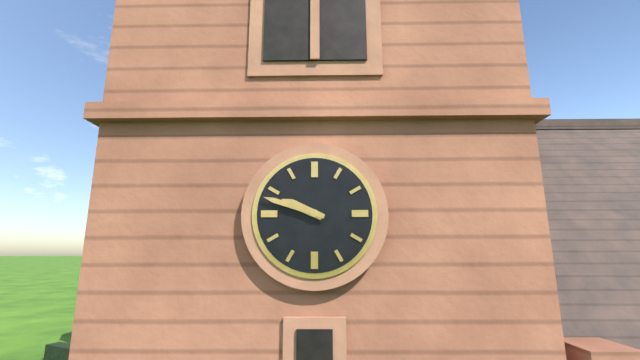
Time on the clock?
9:48
